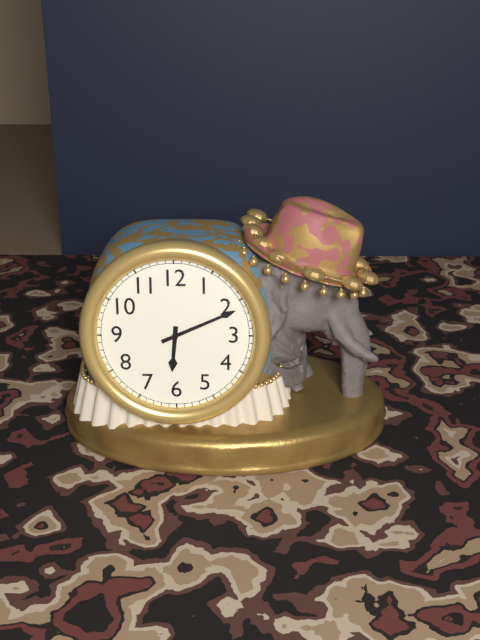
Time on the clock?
6:11
